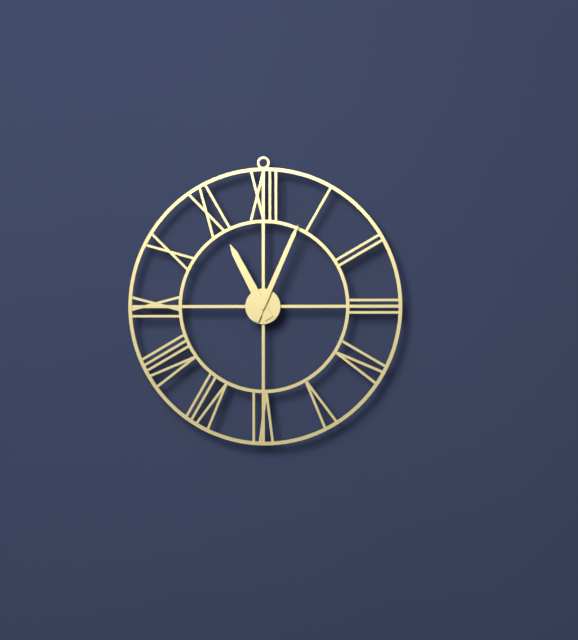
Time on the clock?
11:04
